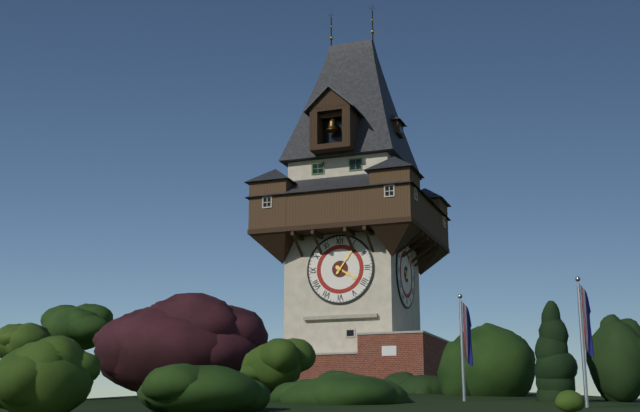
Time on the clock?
4:06
